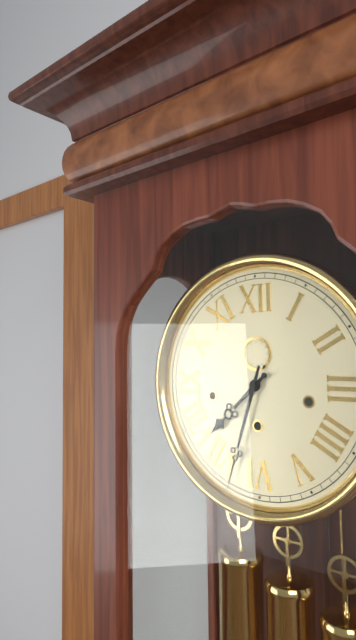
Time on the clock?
7:33
